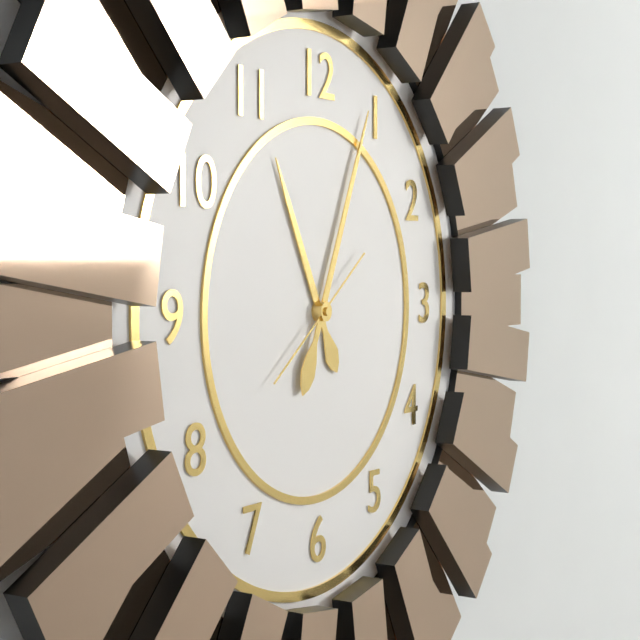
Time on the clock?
11:04:39
